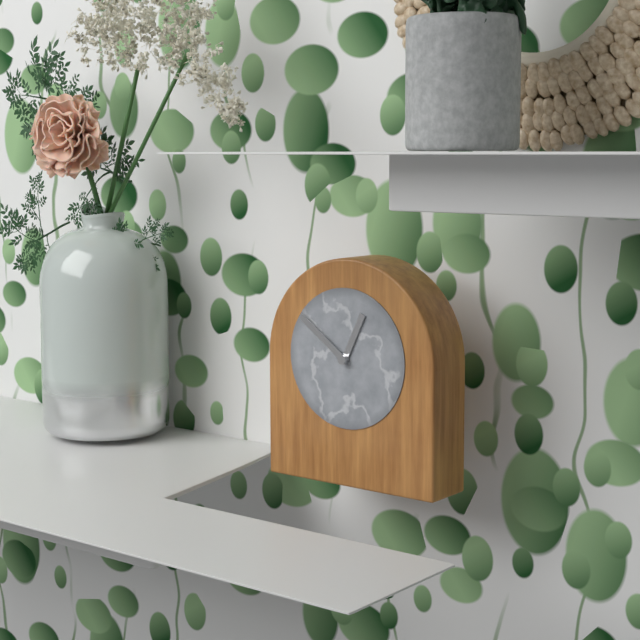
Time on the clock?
12:51
